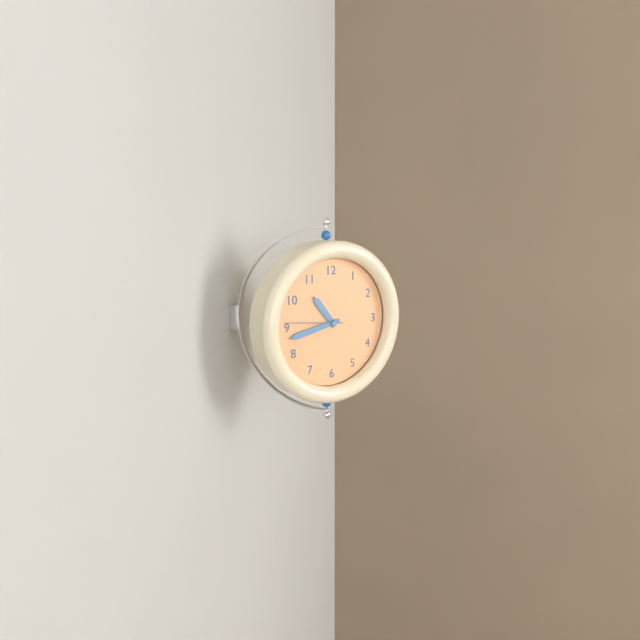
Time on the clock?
10:43:46
